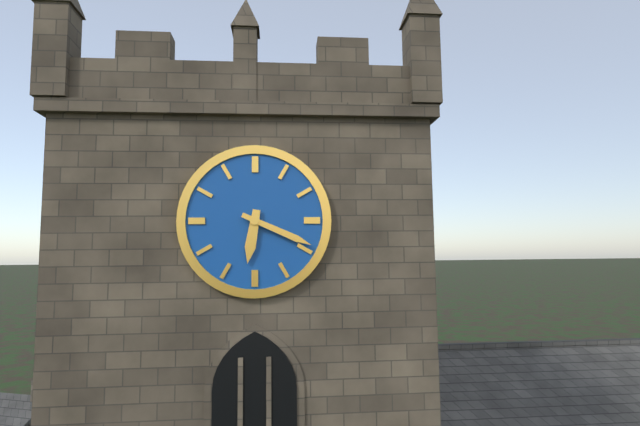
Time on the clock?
6:19
